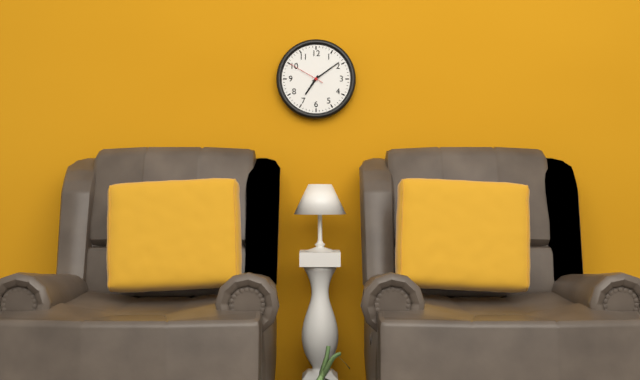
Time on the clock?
7:09
